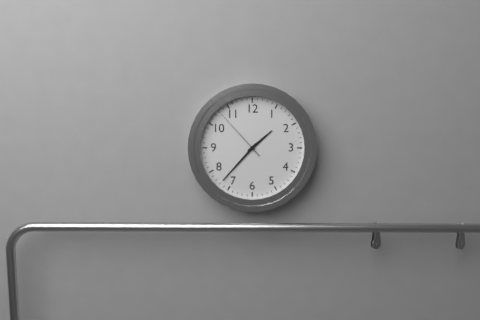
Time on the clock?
1:37:53
